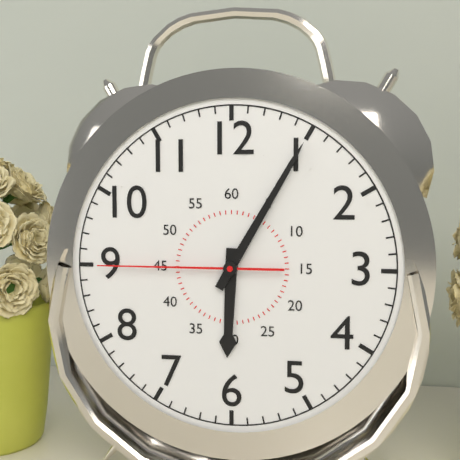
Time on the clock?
6:05:45
